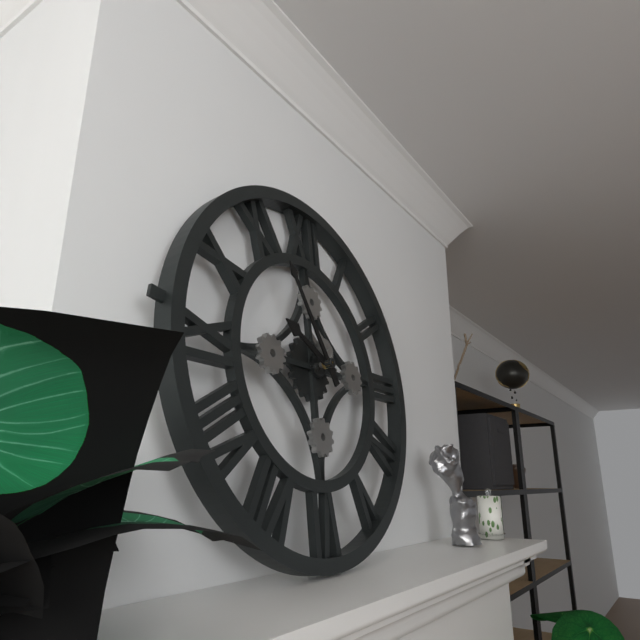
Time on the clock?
9:55
